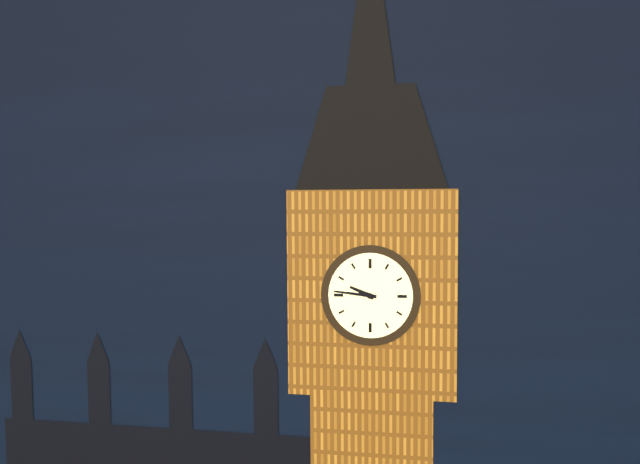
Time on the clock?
9:46
